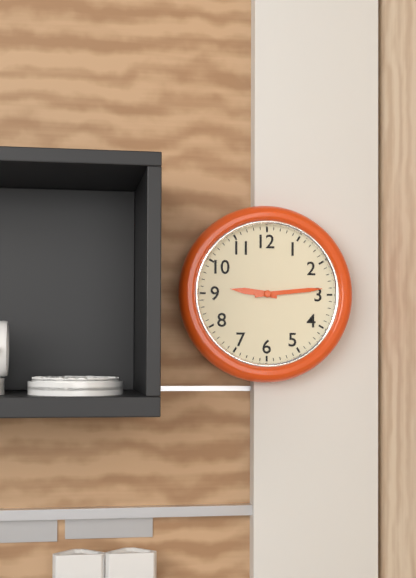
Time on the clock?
9:14
